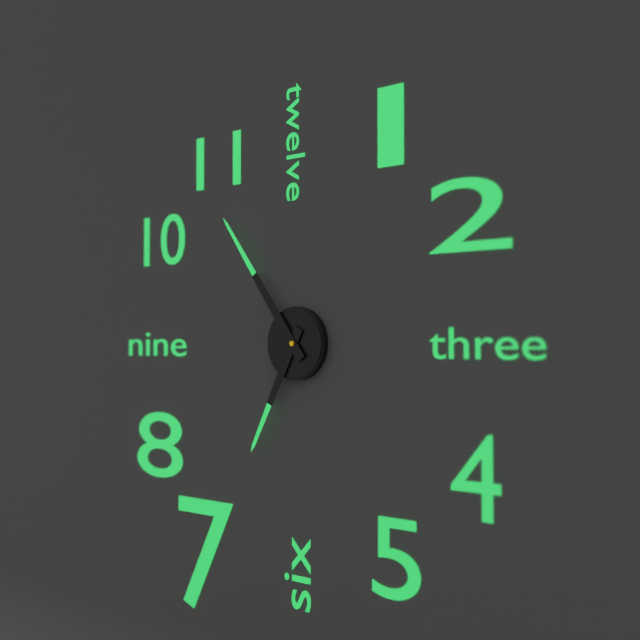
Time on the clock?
6:54
